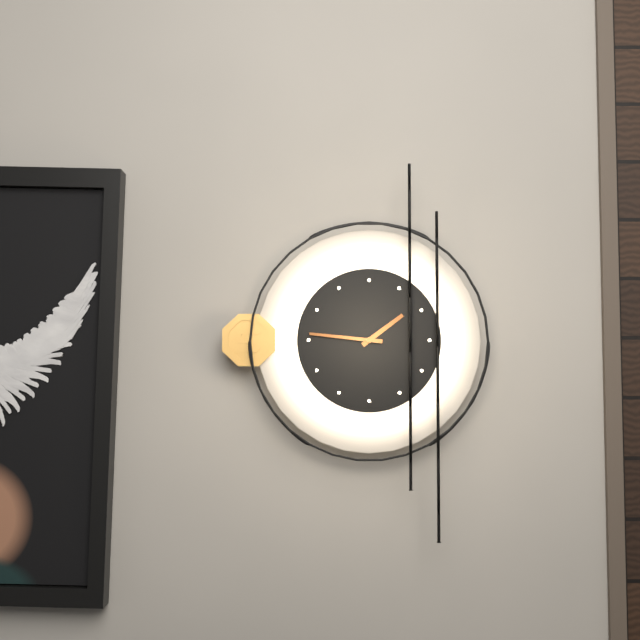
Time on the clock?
1:46
